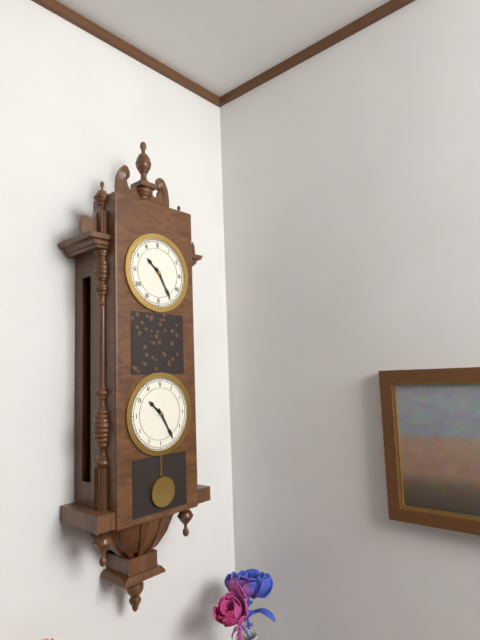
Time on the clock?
10:25
